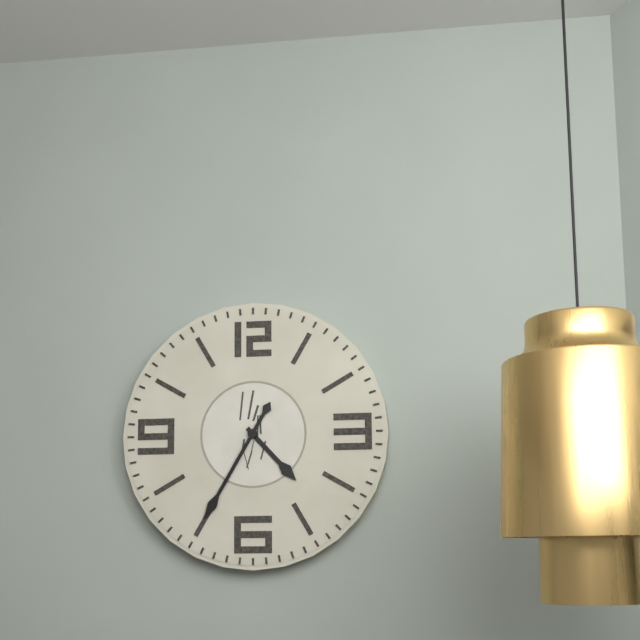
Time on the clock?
4:35
